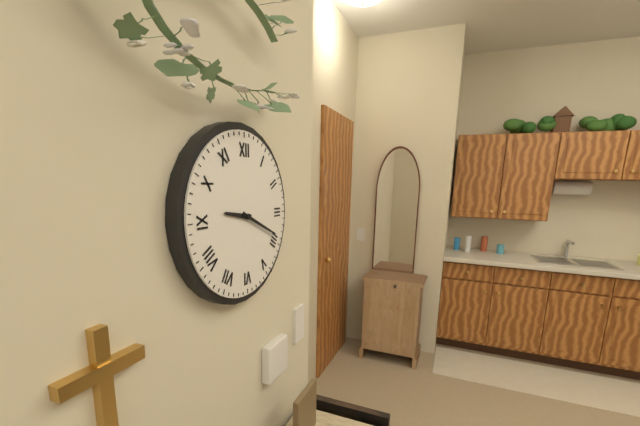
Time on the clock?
9:19
